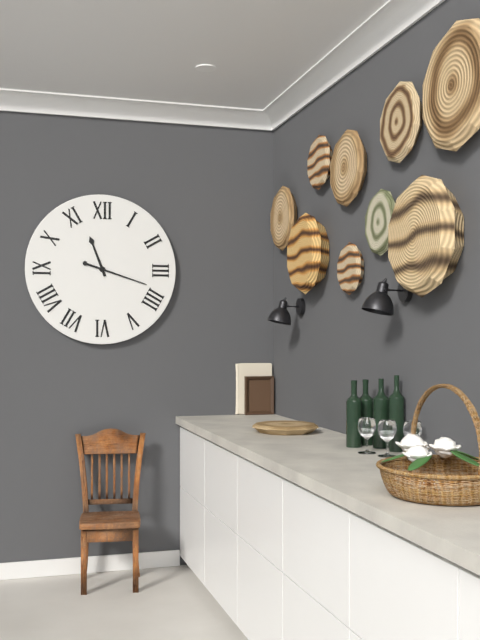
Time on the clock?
11:18
